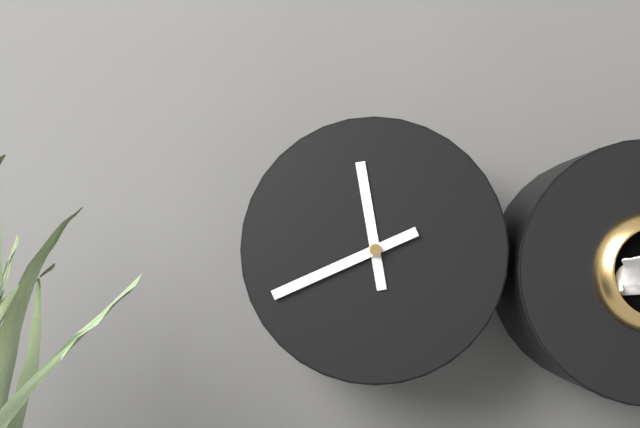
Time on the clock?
11:41
